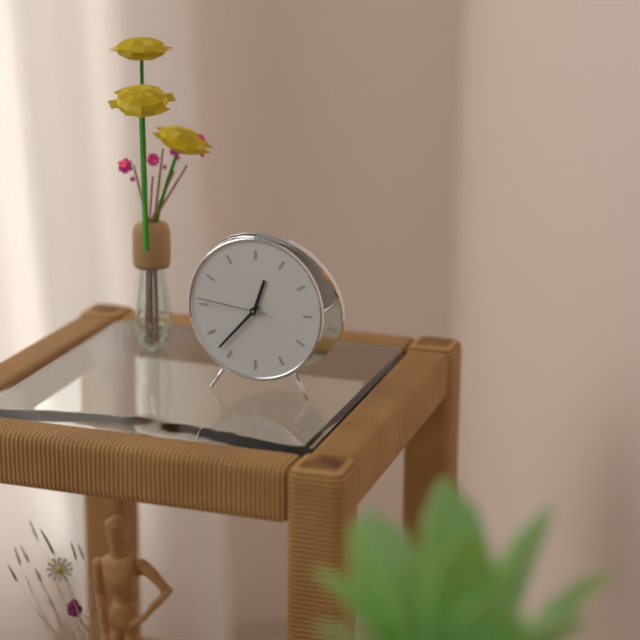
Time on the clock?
12:37:46
